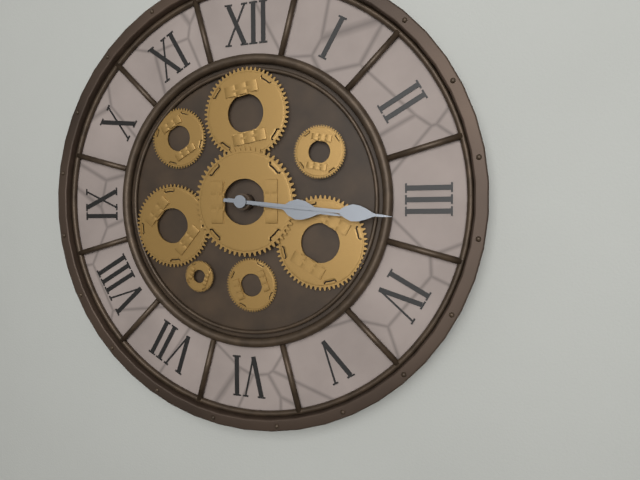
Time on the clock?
3:16
